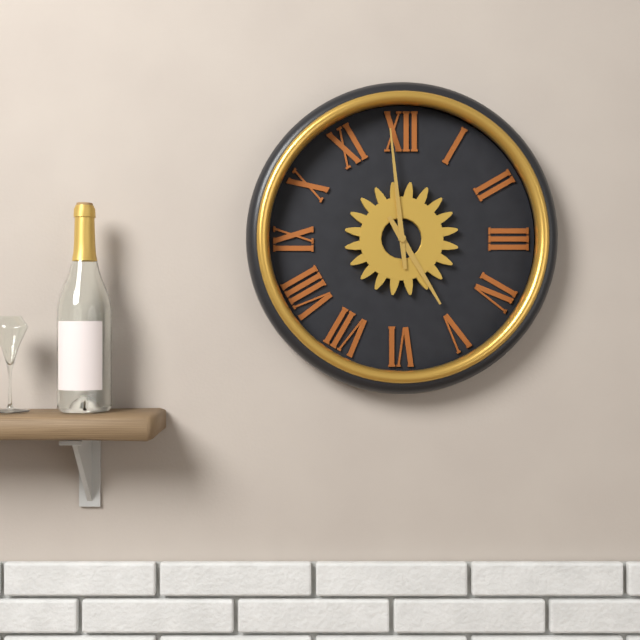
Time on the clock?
4:59
